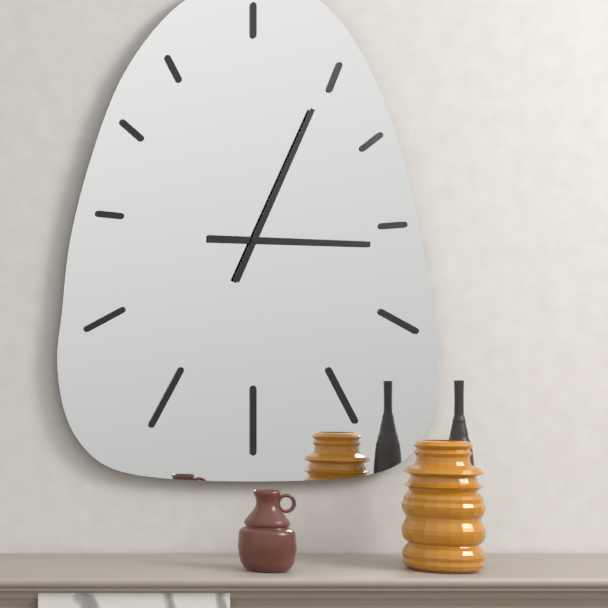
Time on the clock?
3:04
